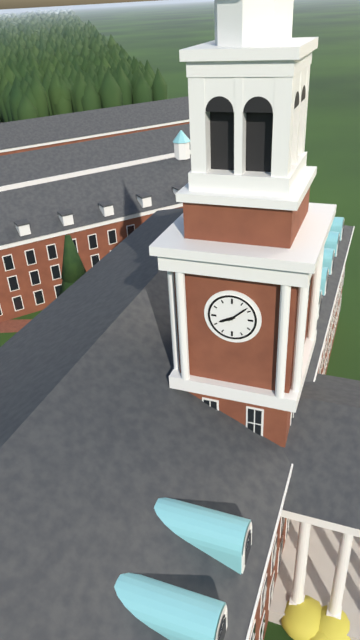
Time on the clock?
8:08
